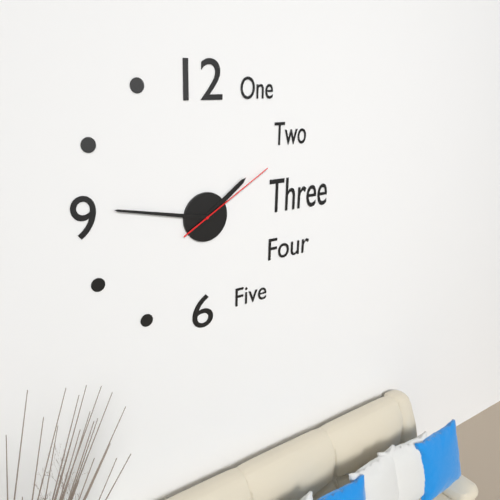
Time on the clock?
1:47:10
